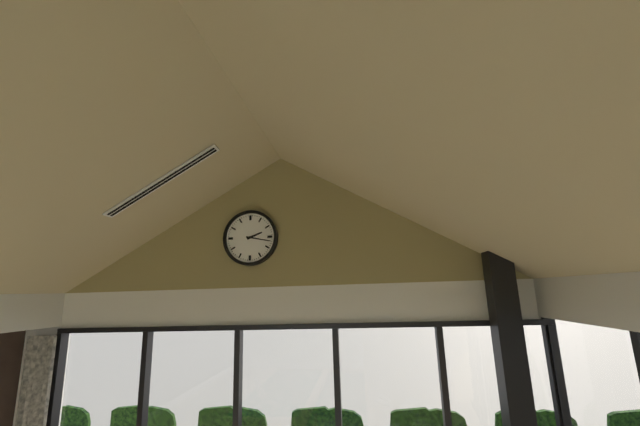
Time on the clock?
2:17
